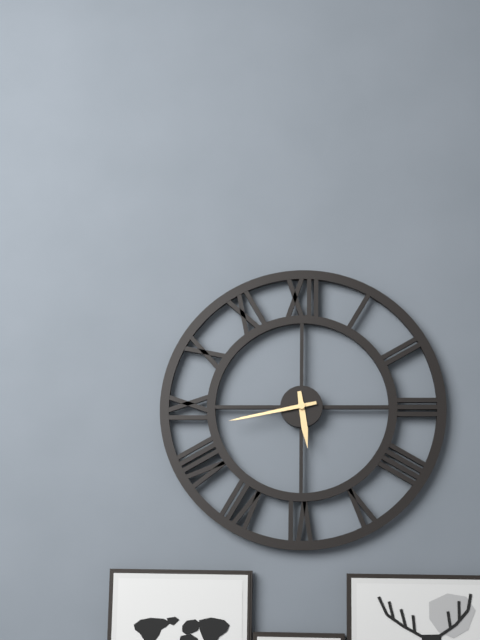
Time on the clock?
5:43
